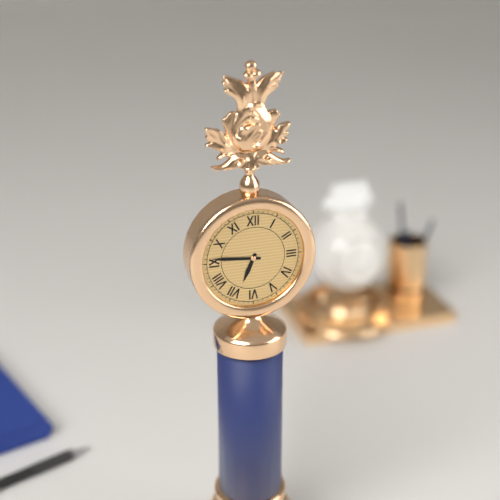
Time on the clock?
6:46
